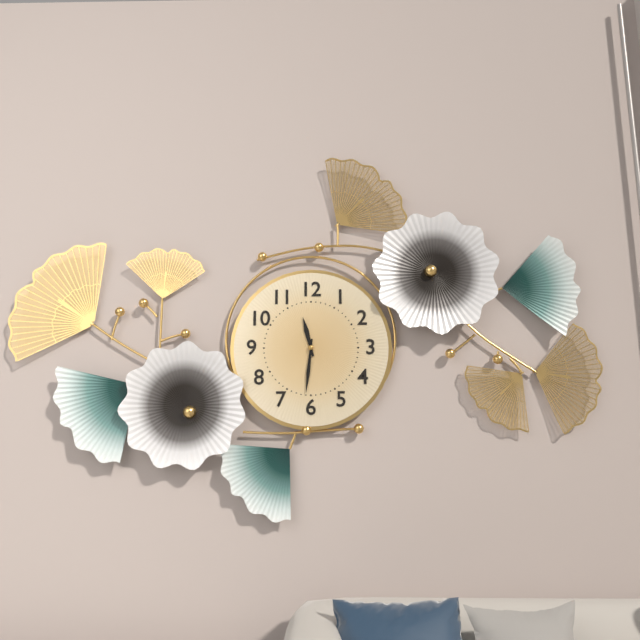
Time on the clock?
11:31
